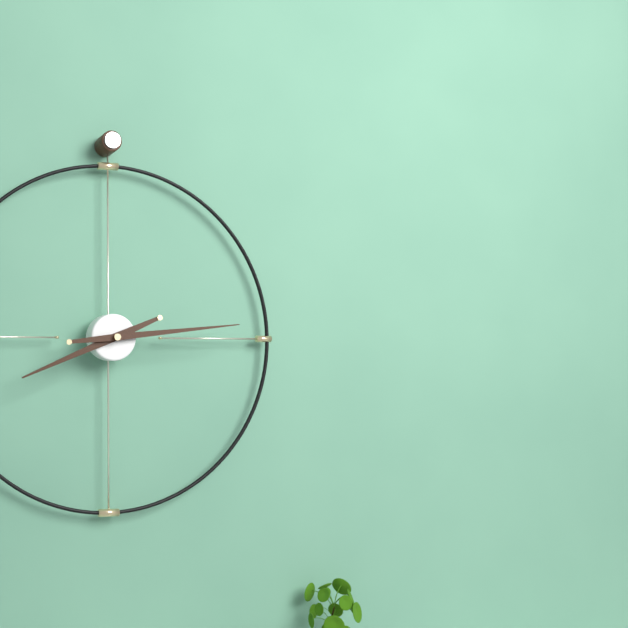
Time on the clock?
8:14
